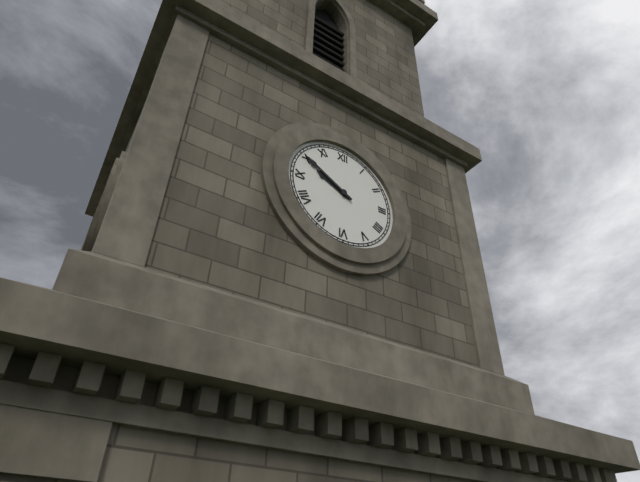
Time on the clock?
9:50
